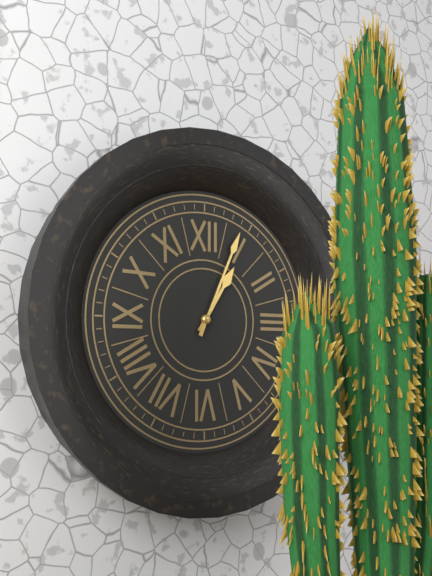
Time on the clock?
1:04
